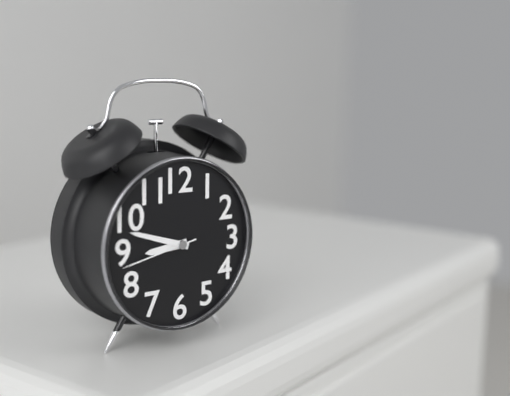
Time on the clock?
8:48:43
